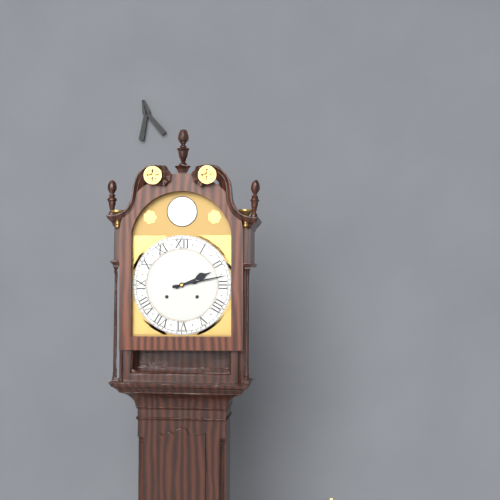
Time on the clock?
2:13
